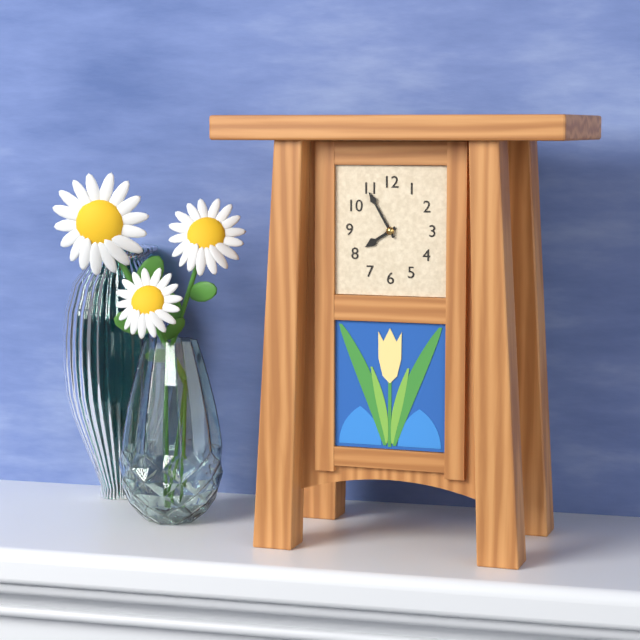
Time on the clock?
7:55
